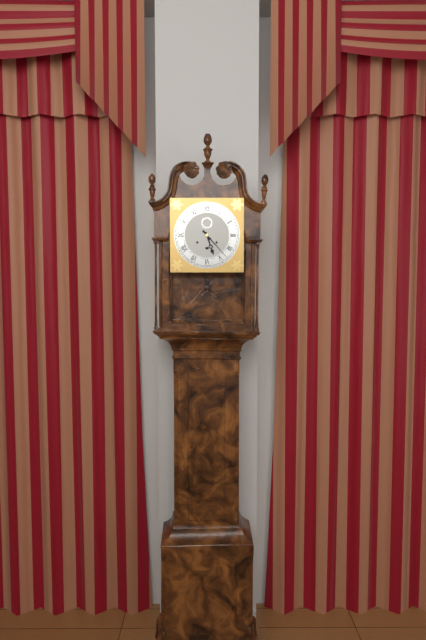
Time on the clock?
5:23
